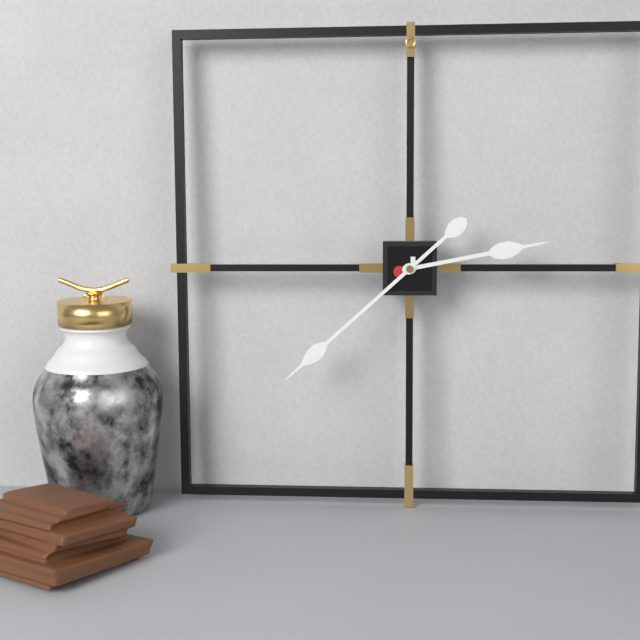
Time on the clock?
2:38
